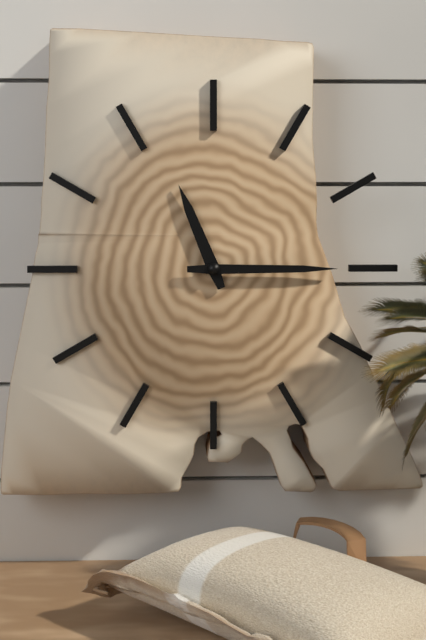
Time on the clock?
11:15
